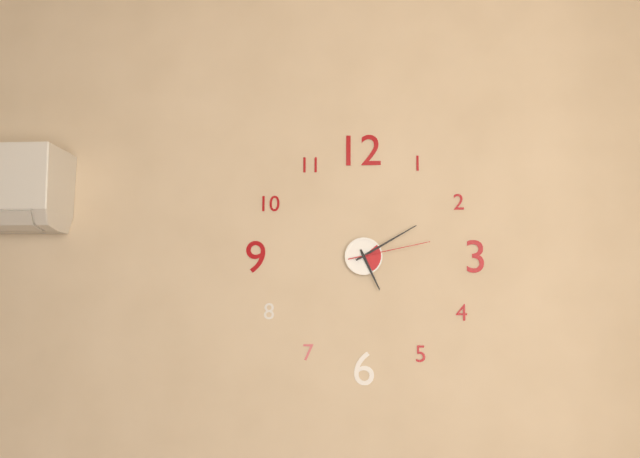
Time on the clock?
5:10:13
